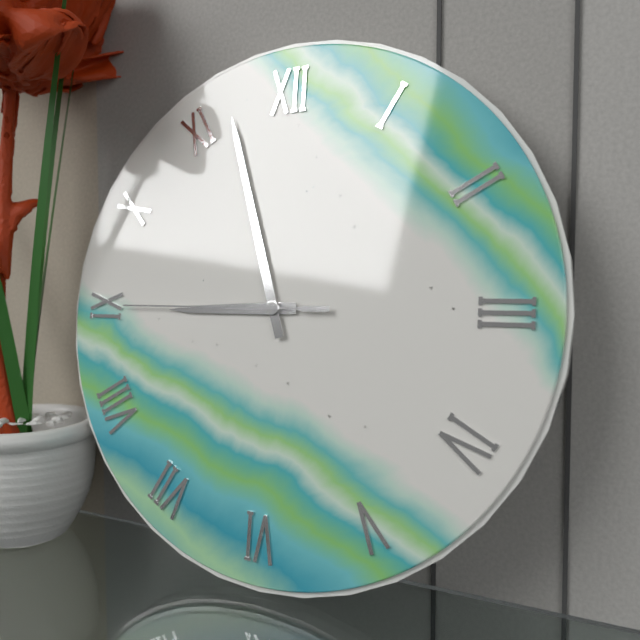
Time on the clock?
8:57:45
